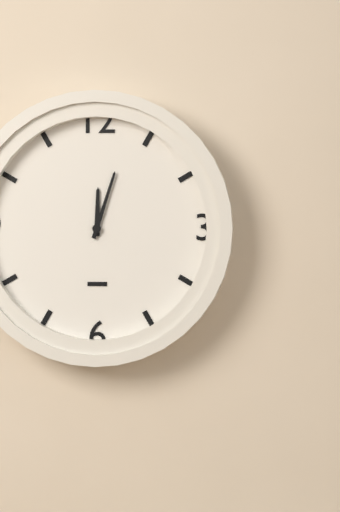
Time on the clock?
12:03
